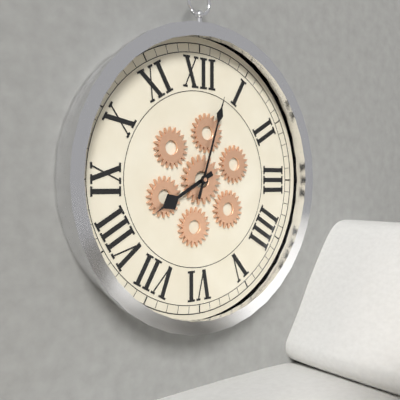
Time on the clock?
8:03
